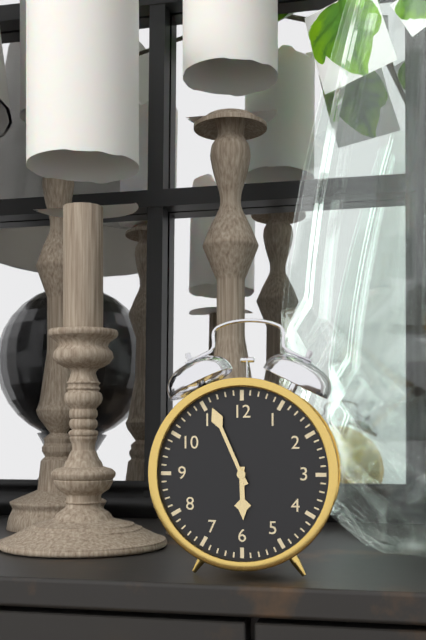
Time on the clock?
5:56
